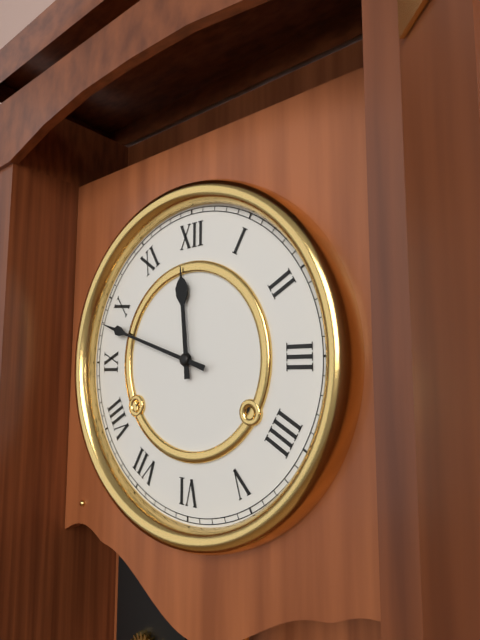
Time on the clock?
11:48
